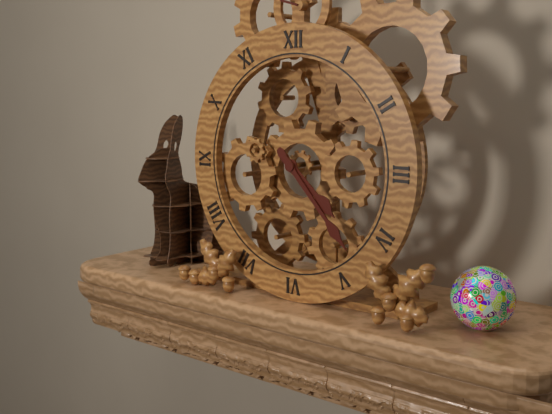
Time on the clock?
4:23
